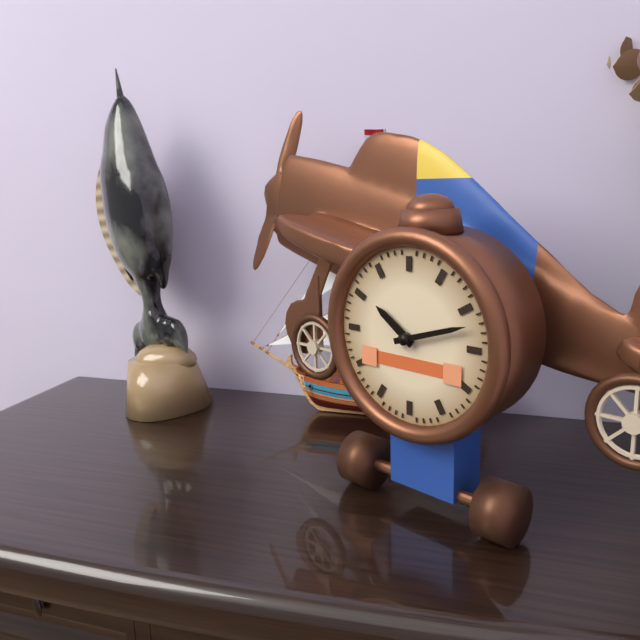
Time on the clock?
10:12
